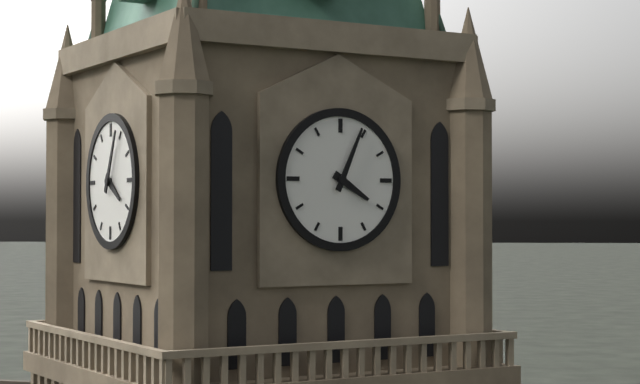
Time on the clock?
4:04
